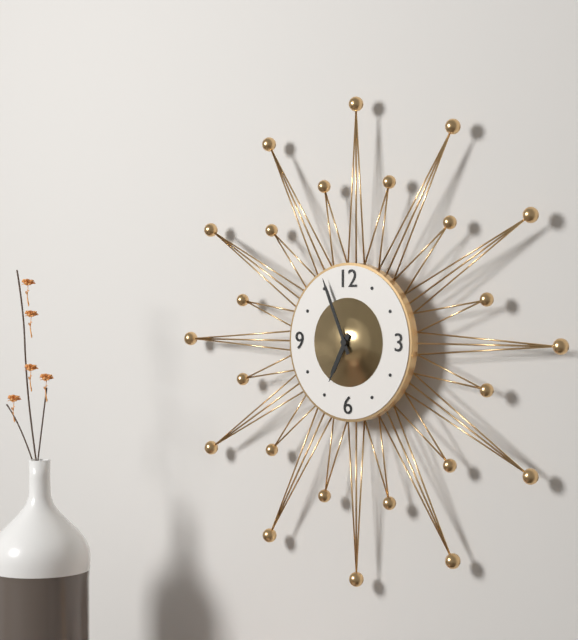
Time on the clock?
6:56
